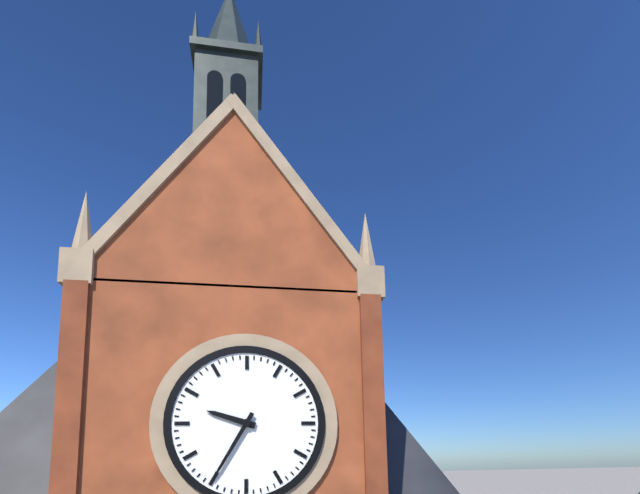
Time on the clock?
9:35
